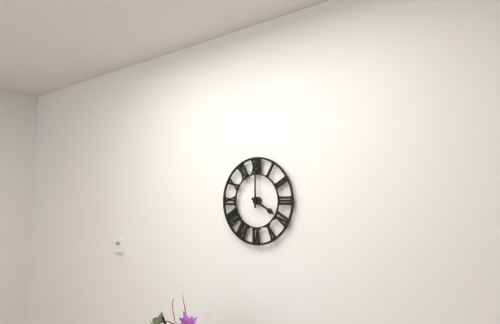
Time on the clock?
4:00
